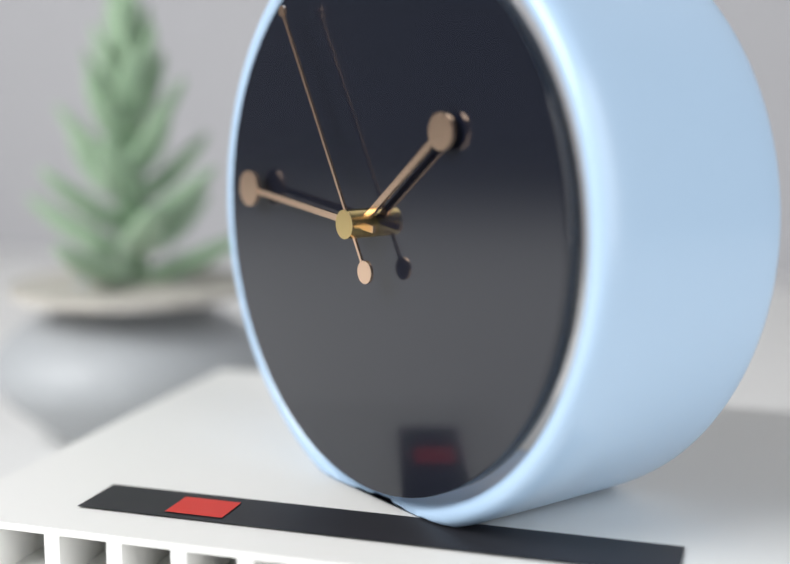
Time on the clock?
1:46:55
